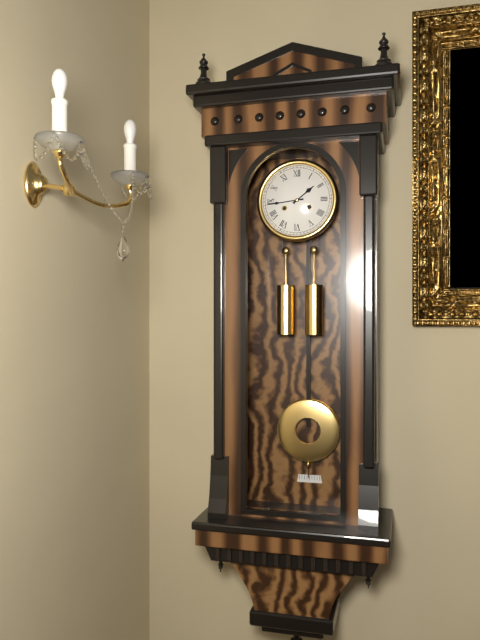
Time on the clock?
1:44
